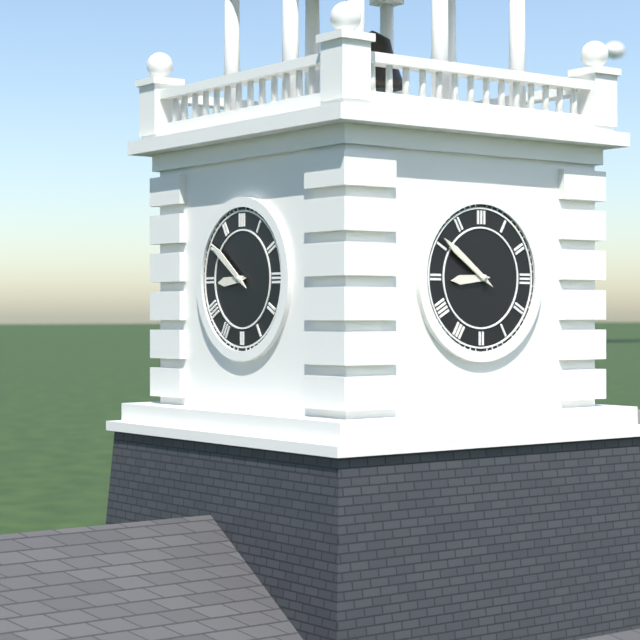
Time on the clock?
8:51
